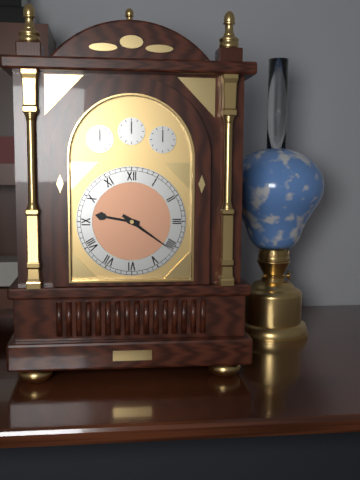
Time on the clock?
9:21
